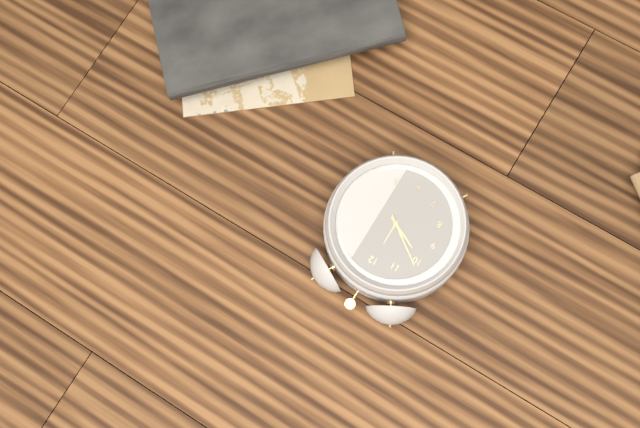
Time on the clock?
9:51
